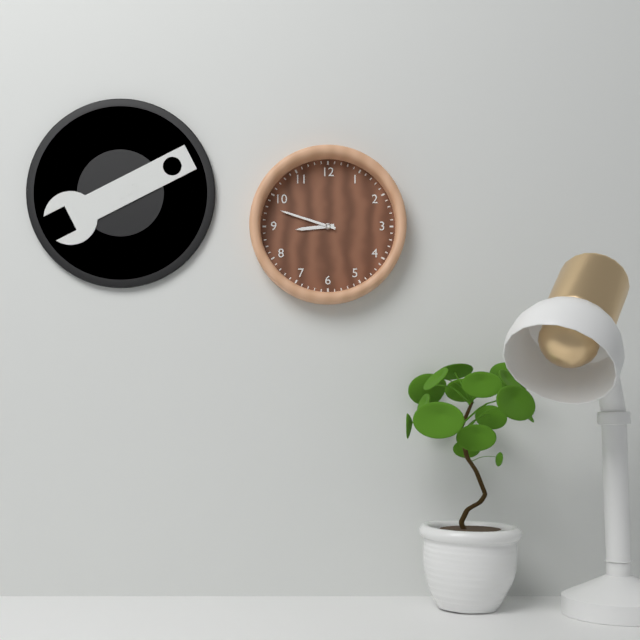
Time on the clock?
8:48
